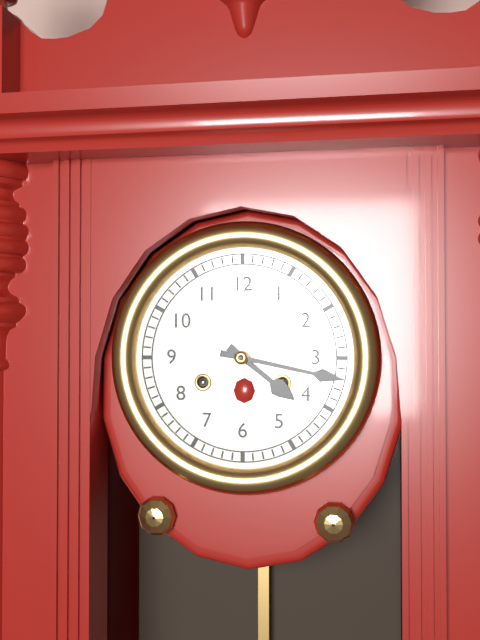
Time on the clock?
4:17
